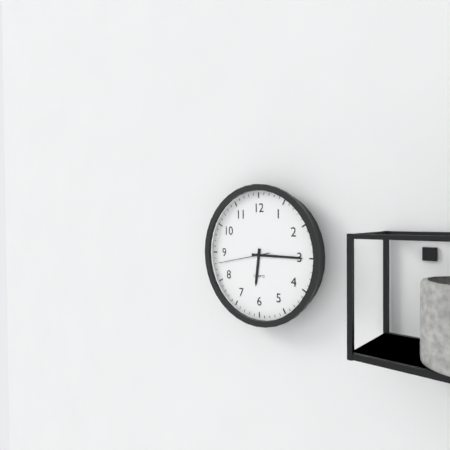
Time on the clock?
6:15:43
